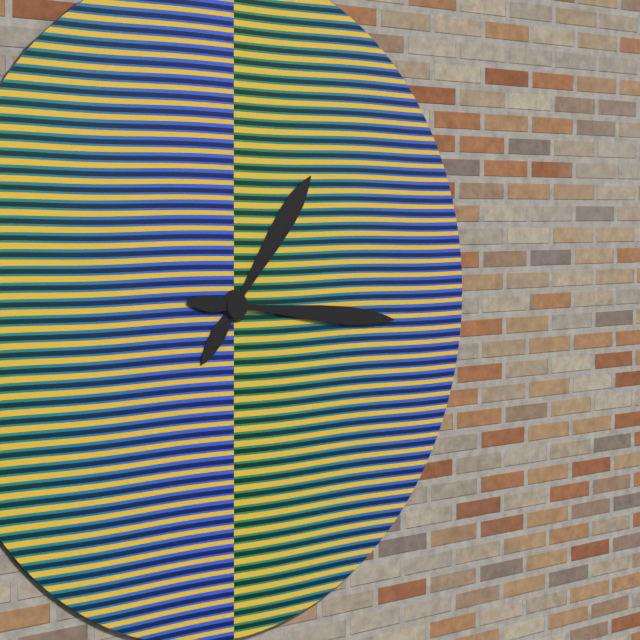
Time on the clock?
1:16
